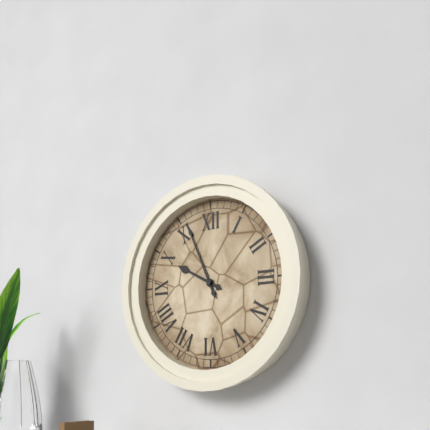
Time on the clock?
9:56
